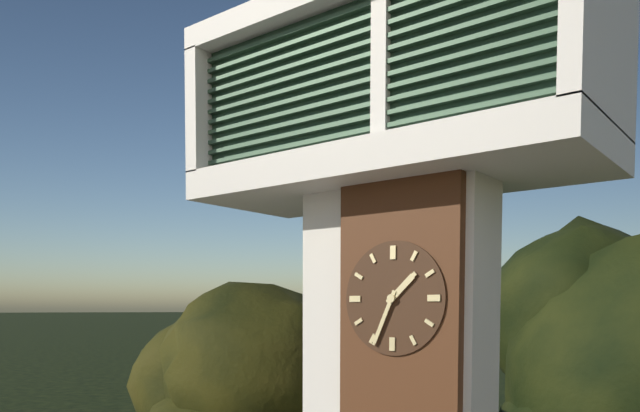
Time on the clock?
1:34
